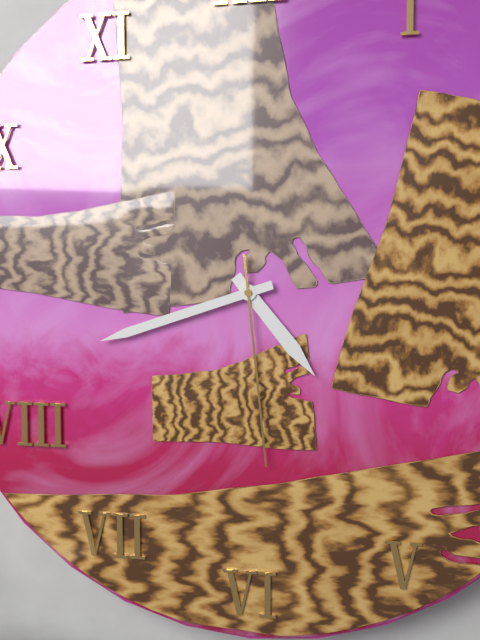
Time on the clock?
4:42:29
